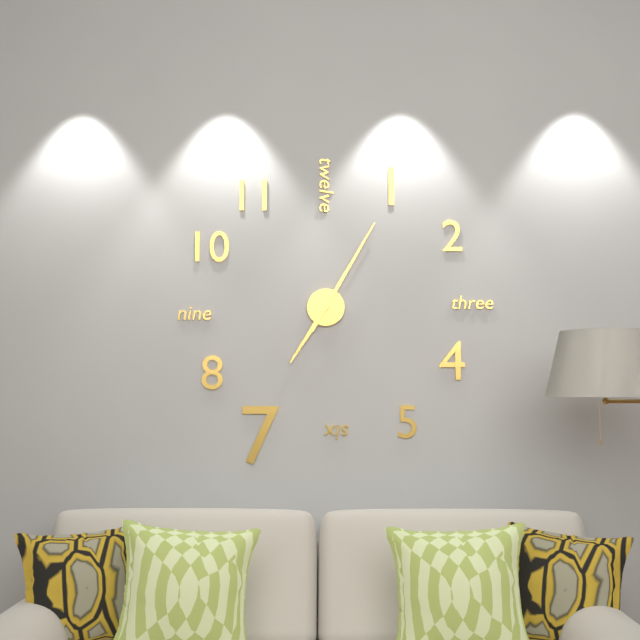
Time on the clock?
7:05
